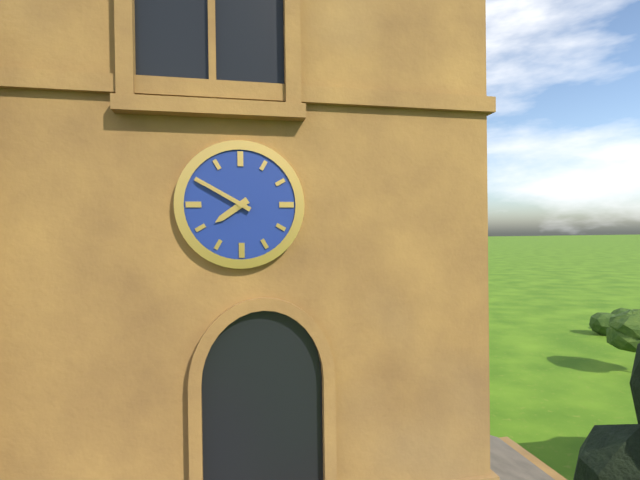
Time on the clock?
7:50
